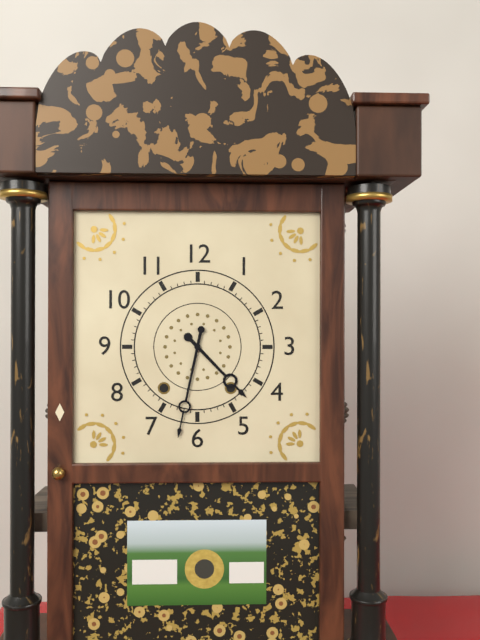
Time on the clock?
4:32
